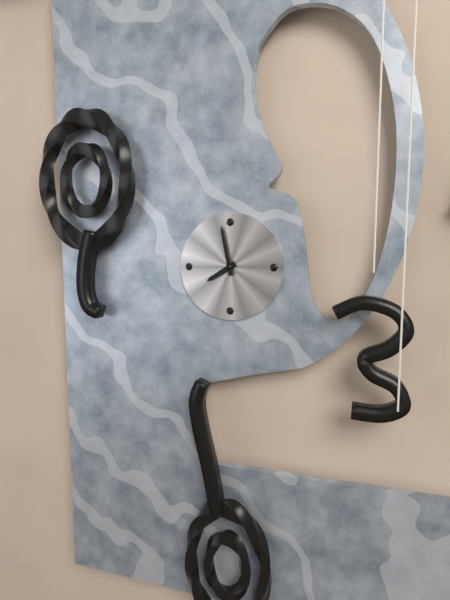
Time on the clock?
7:58
